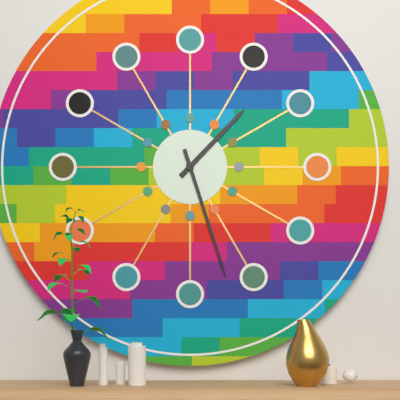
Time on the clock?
1:27
